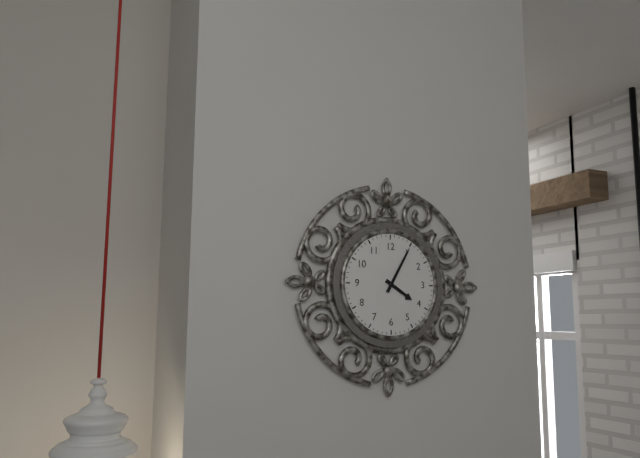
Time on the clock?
4:05
